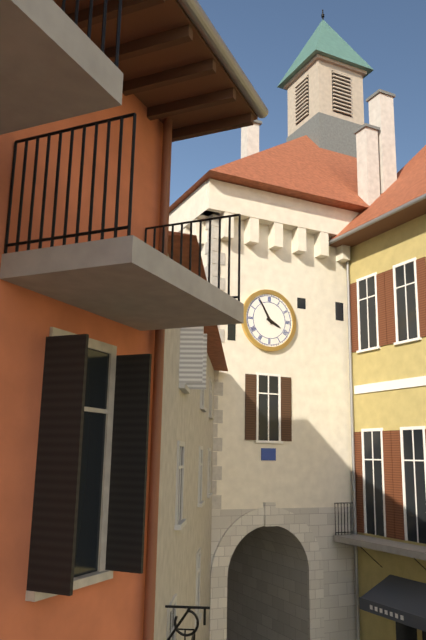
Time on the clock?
3:55
